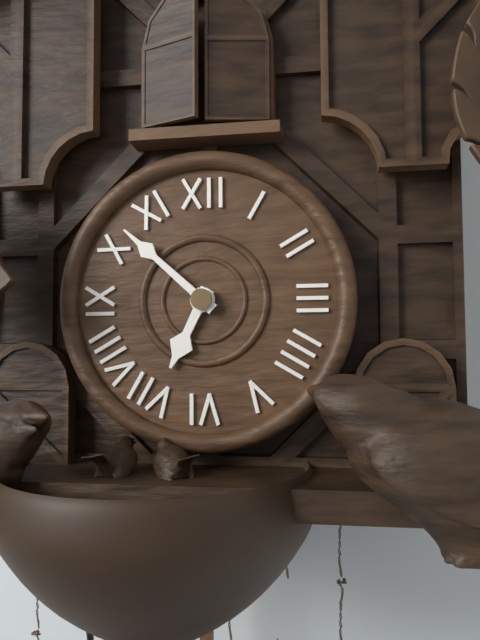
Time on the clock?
6:52
